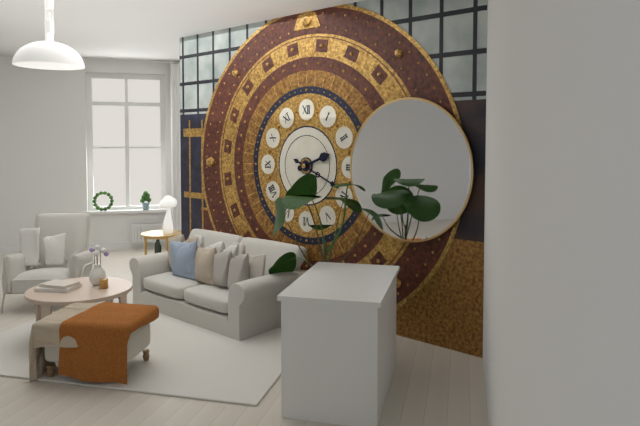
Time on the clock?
2:19
